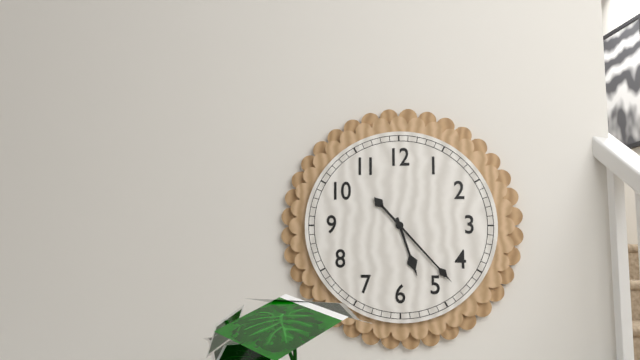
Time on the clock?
5:23
